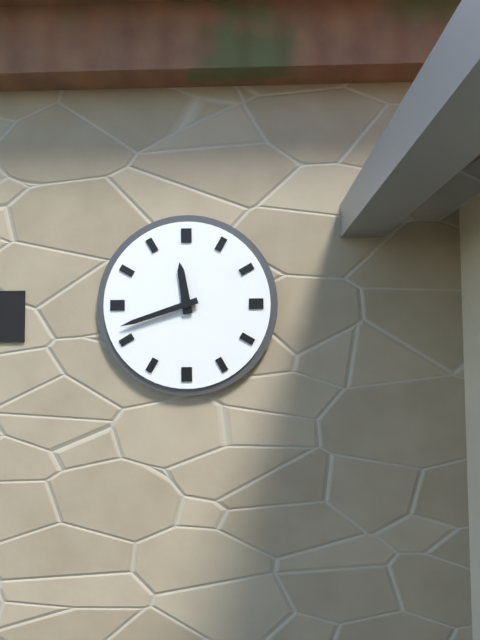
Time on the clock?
11:42
